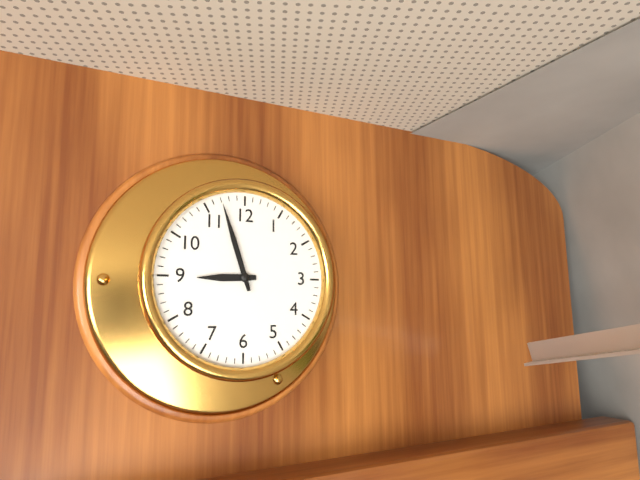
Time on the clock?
8:57
